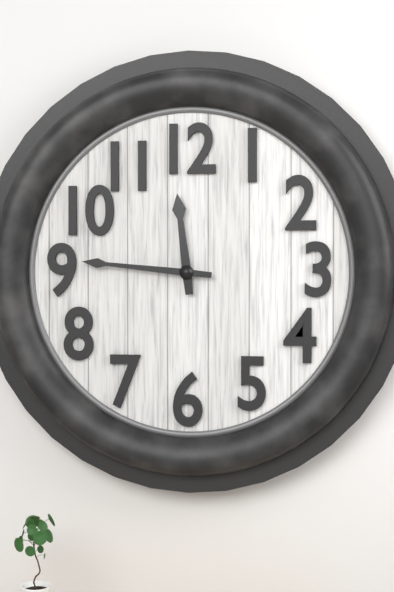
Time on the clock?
11:46
